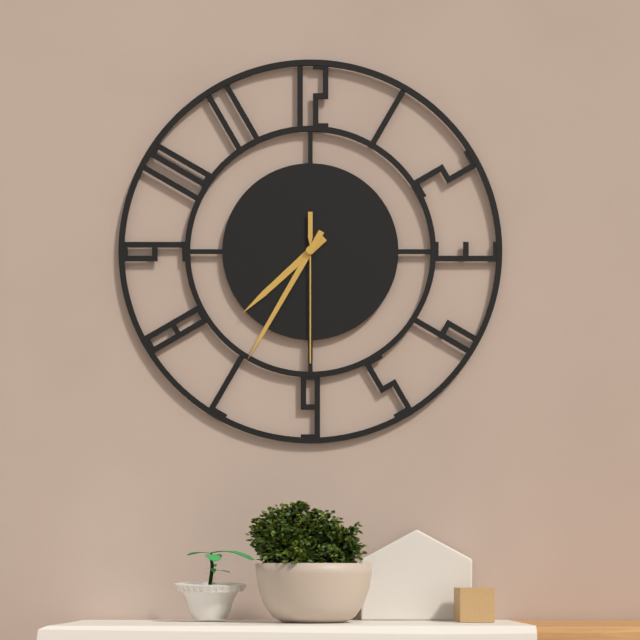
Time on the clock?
7:35:30
